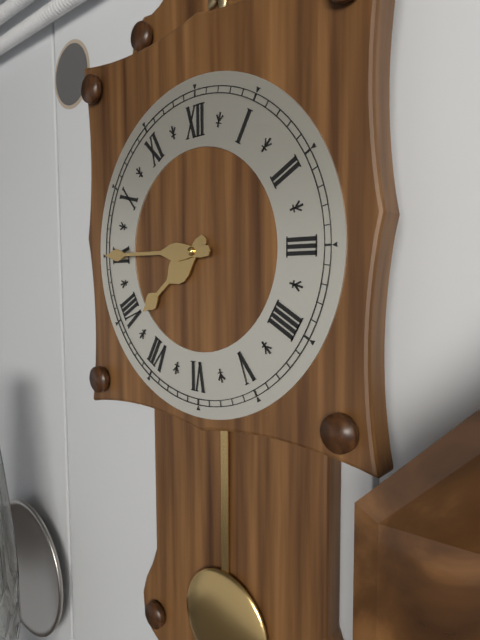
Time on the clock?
7:45
